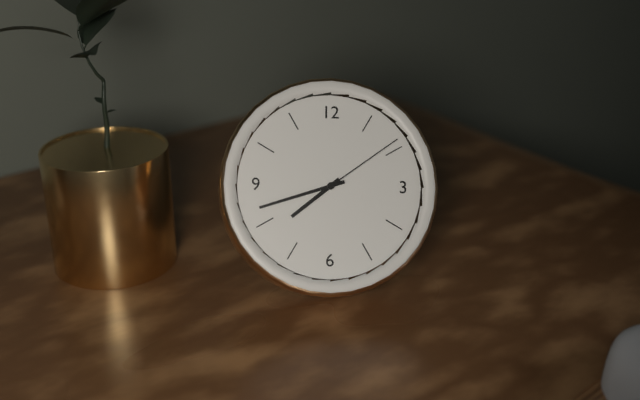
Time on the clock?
7:42:09
